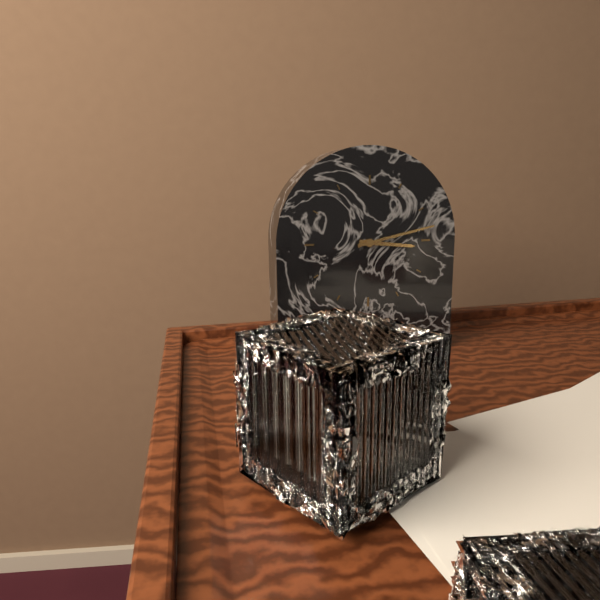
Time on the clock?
3:13
